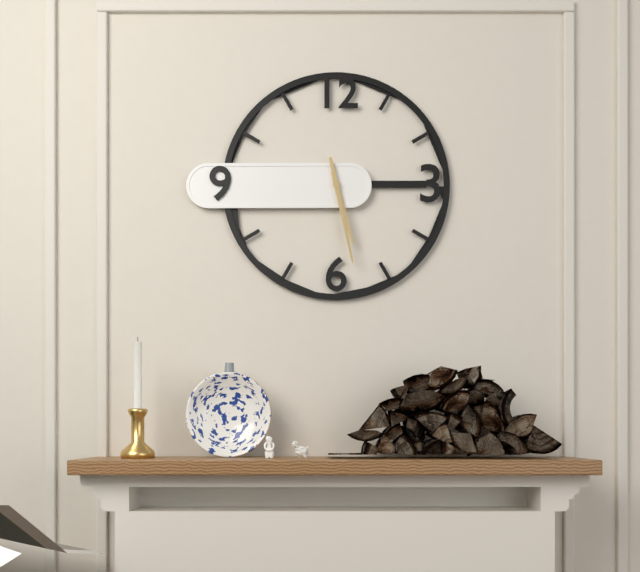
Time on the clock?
5:28
